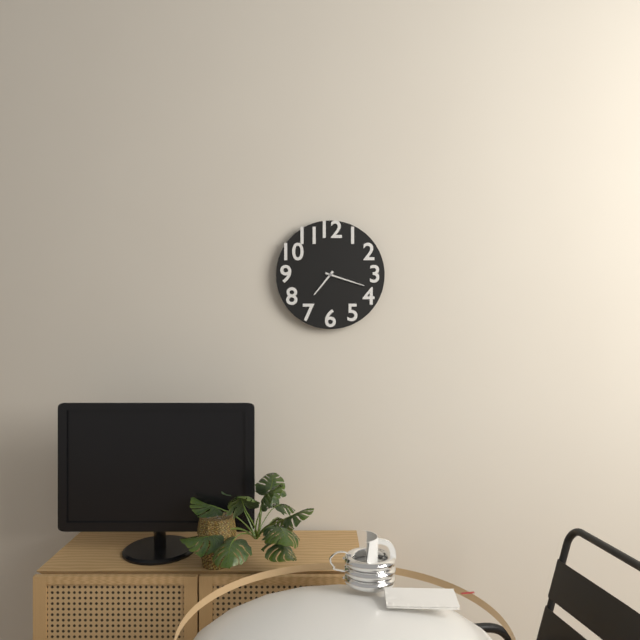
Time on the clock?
7:18
